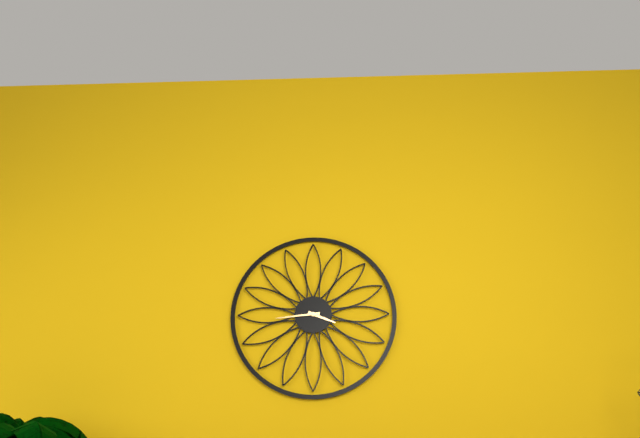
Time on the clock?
3:44
